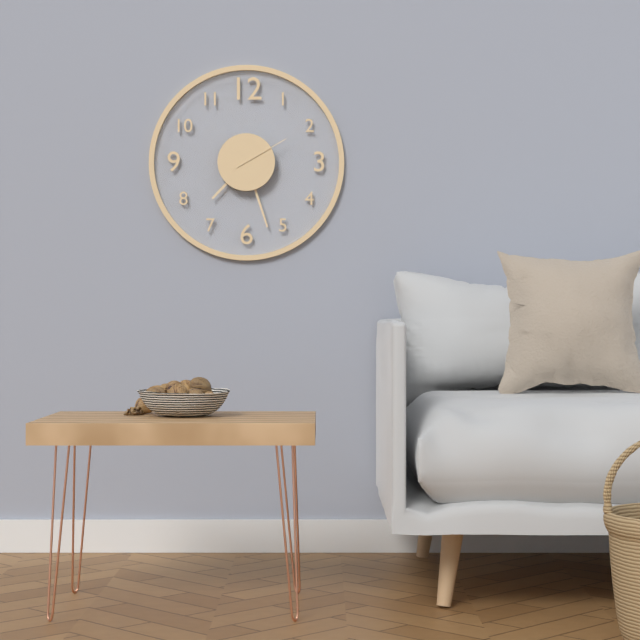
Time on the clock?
7:27:10
